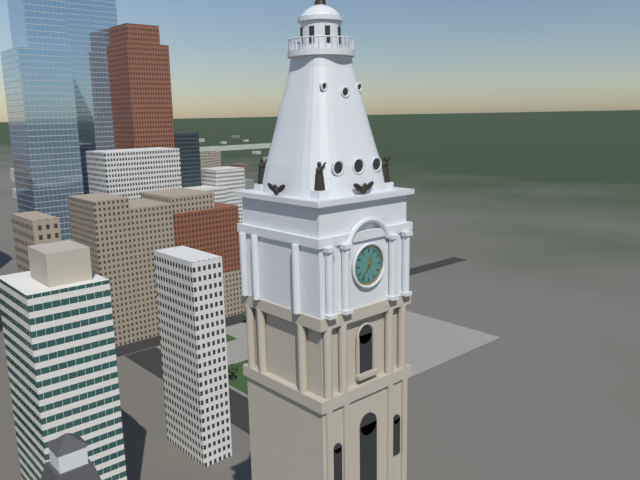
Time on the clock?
12:37
